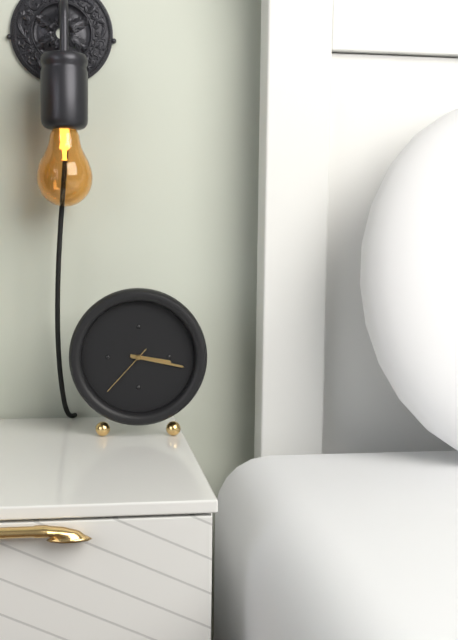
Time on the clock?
3:17:37
